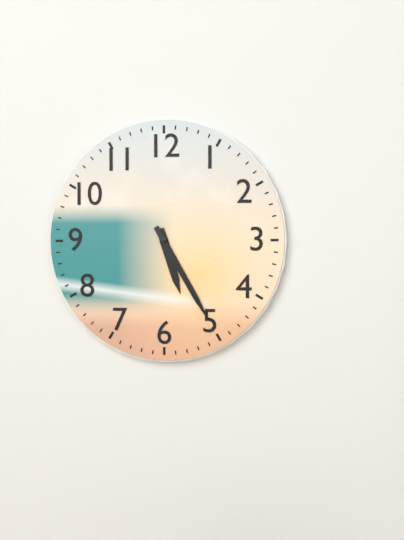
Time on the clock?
5:25
